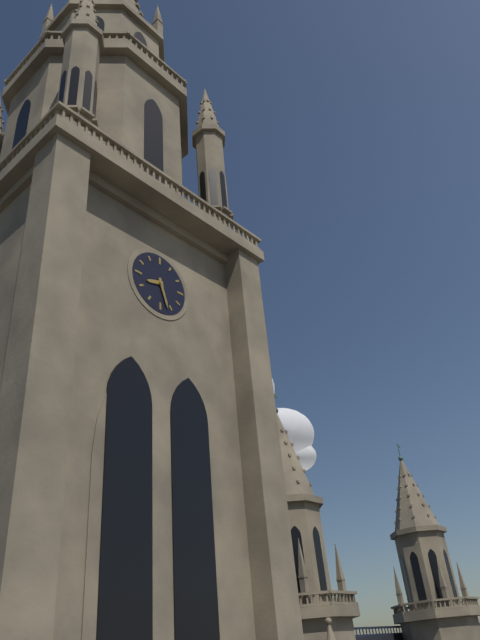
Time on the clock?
8:27
